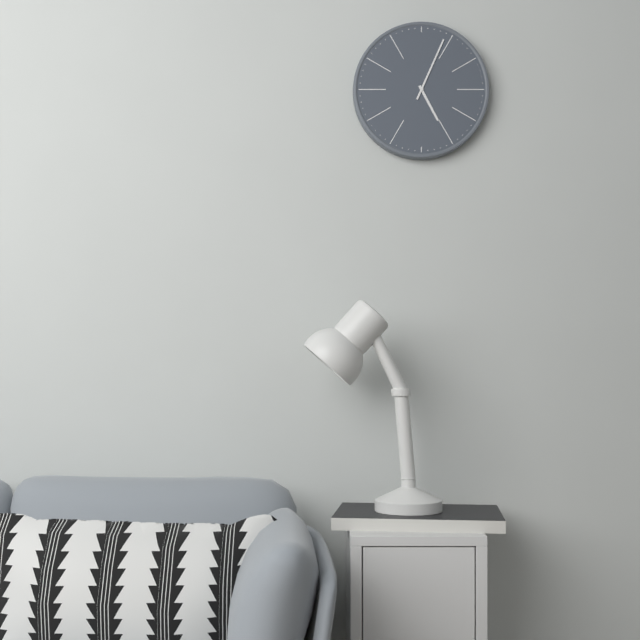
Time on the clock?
5:04
